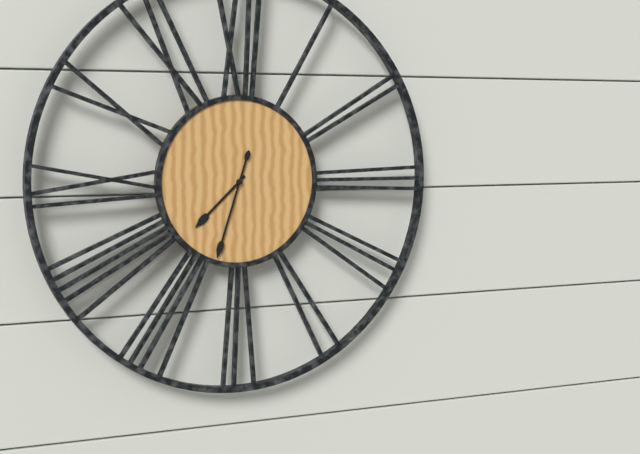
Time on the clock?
7:33
